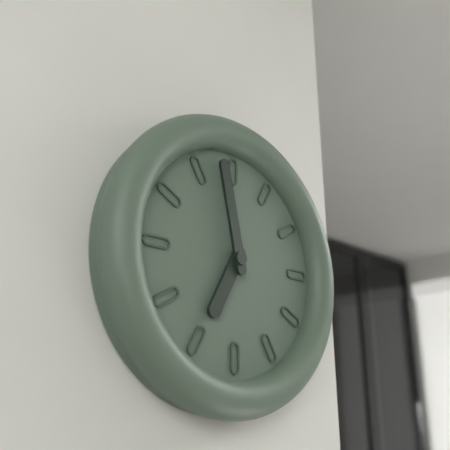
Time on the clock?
6:58
